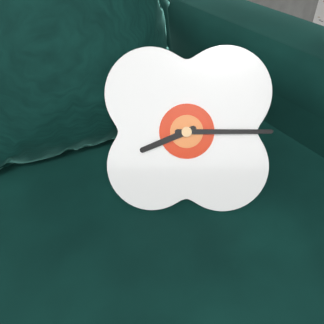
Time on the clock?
8:15
